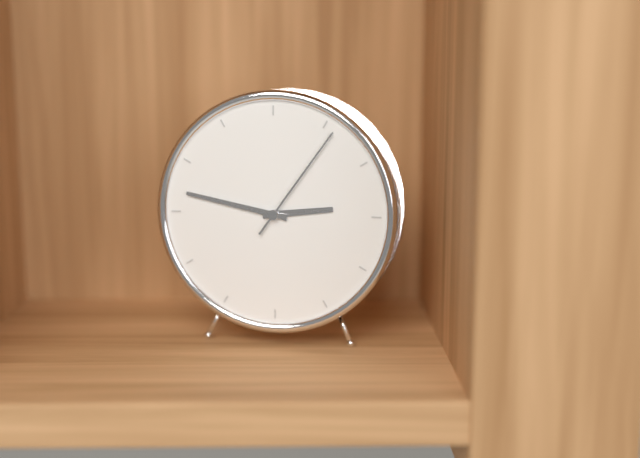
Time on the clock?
2:47:06
